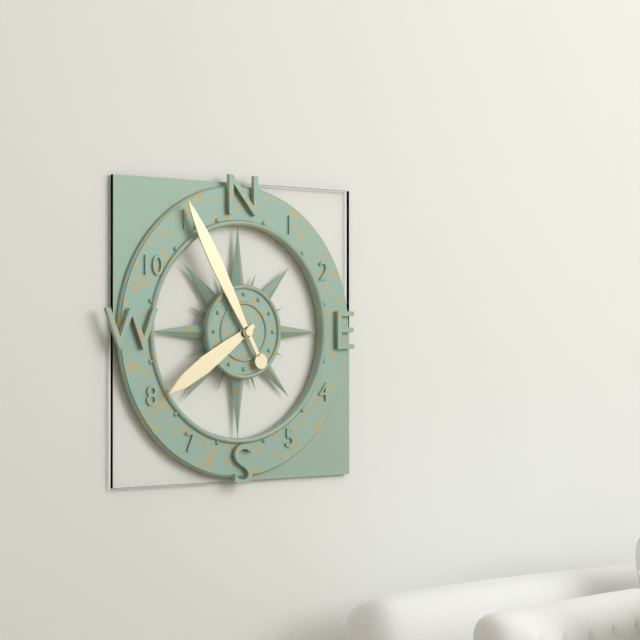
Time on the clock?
7:55
